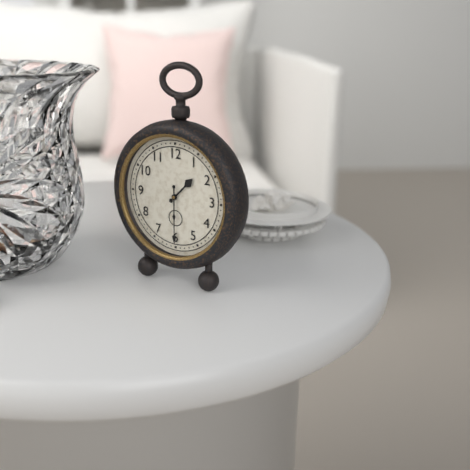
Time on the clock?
1:30
